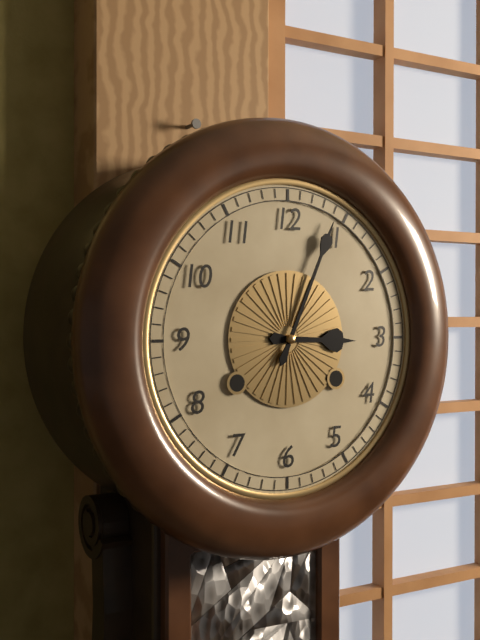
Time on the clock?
3:04
